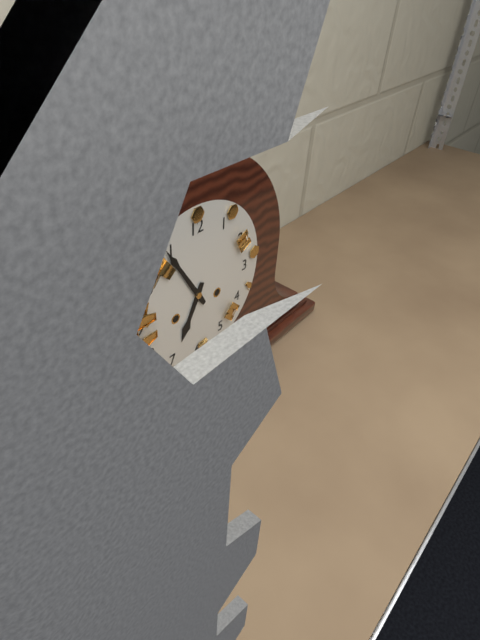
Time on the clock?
6:55
